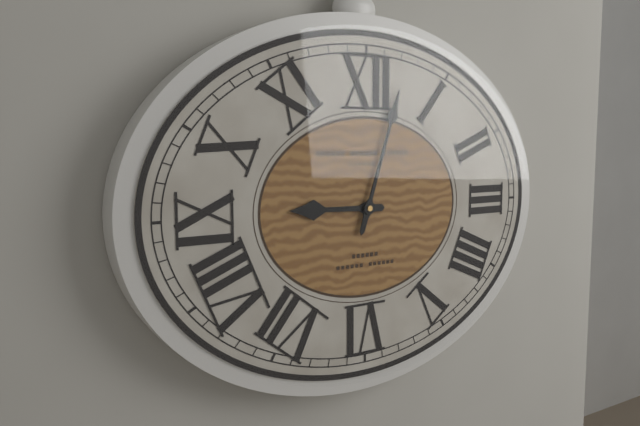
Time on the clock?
9:03
